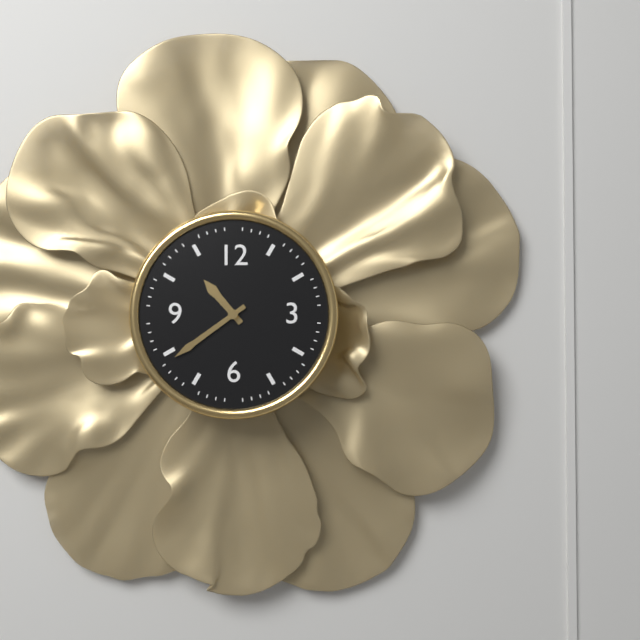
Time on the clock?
10:39
